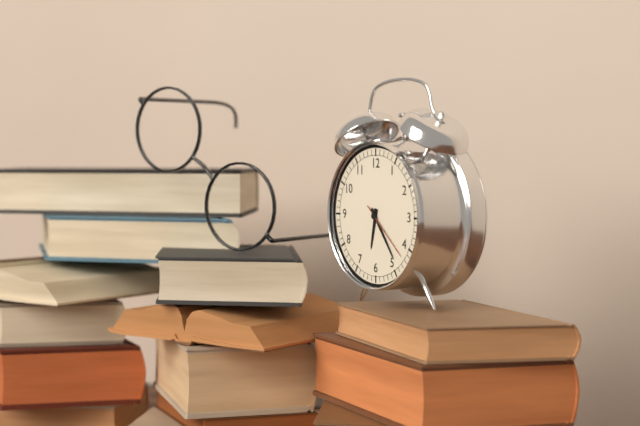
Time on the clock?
6:24:22
